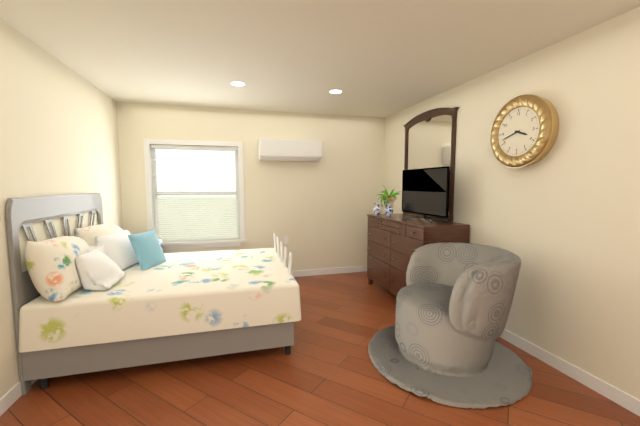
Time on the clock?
3:42
